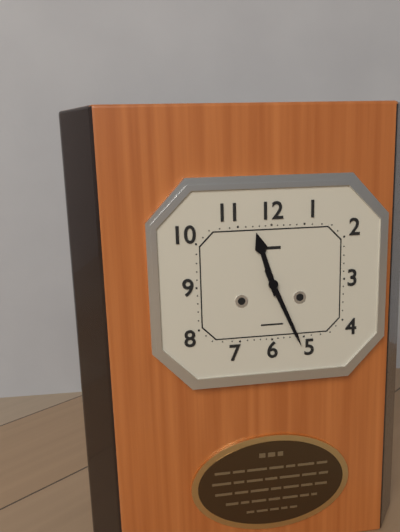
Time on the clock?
11:26
